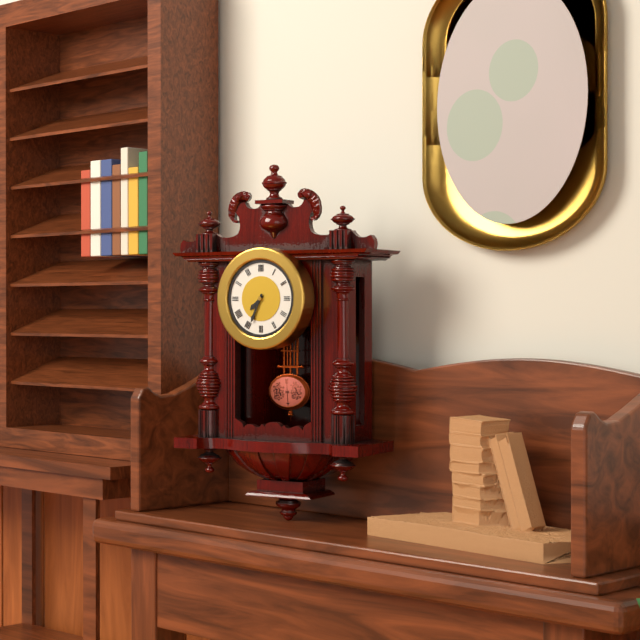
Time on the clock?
7:34
